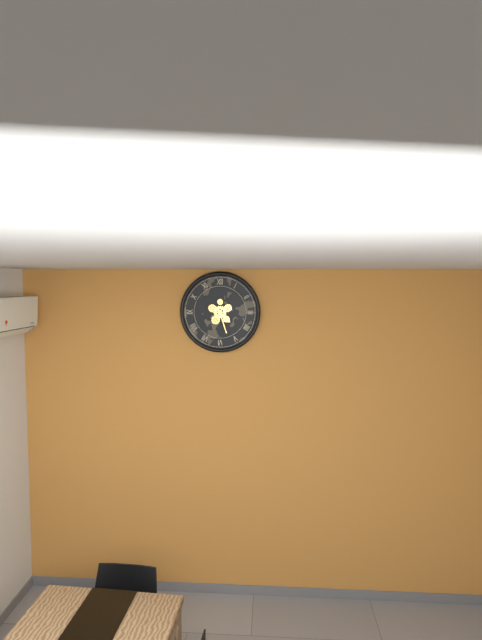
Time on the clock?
4:27
